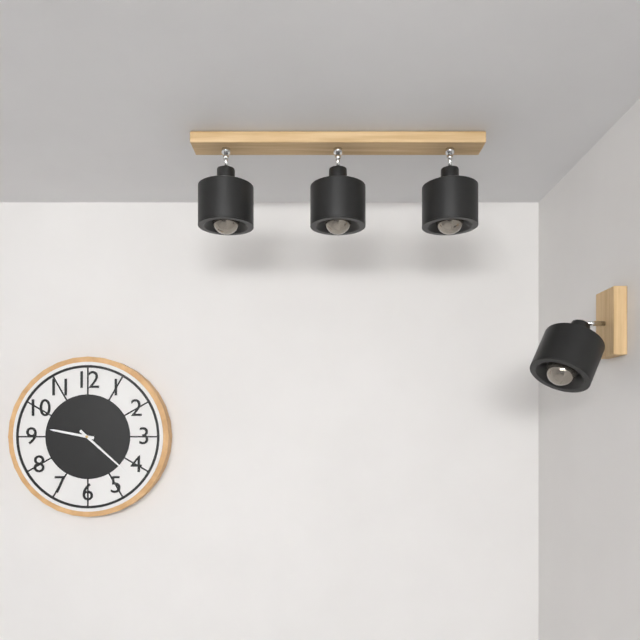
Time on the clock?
9:22
